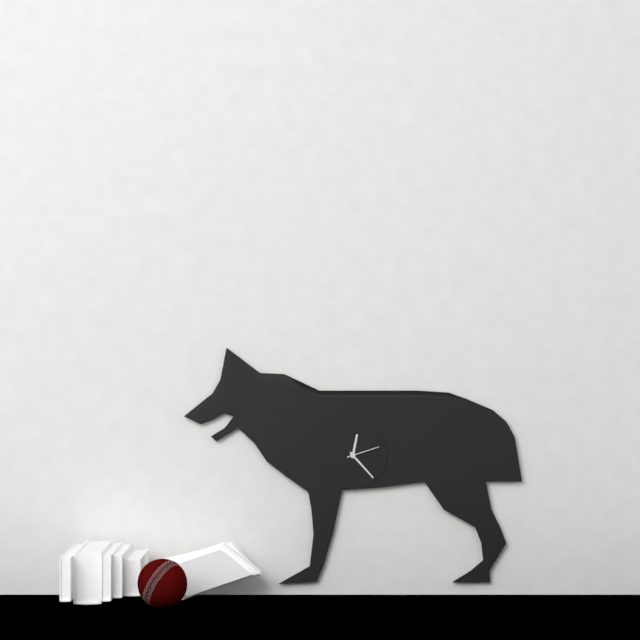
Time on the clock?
12:23
